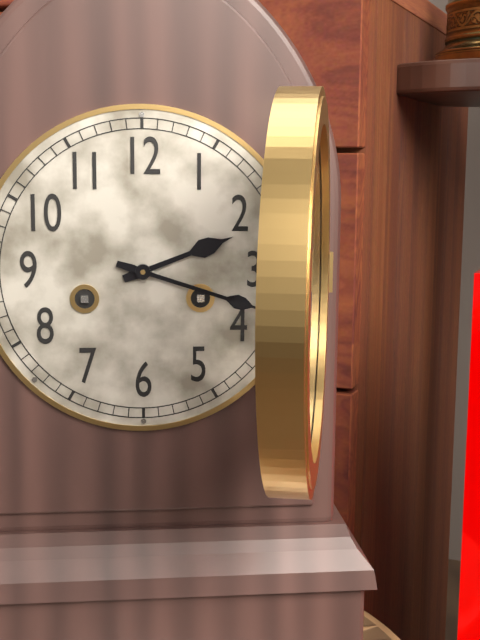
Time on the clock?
2:18
